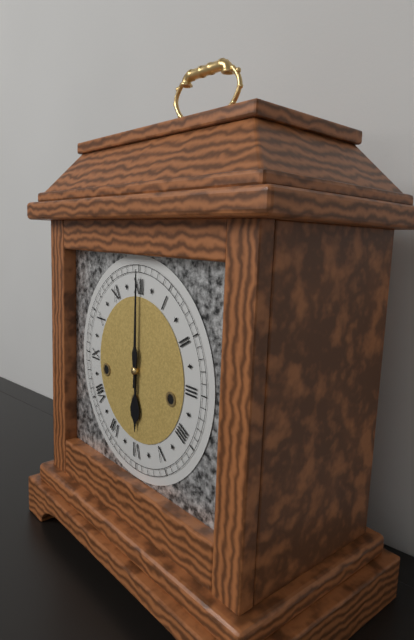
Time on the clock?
6:00
